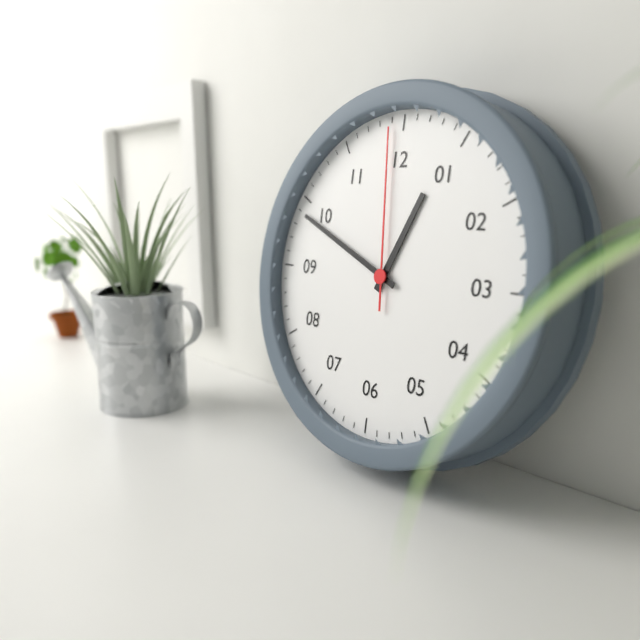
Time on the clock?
12:49:59
